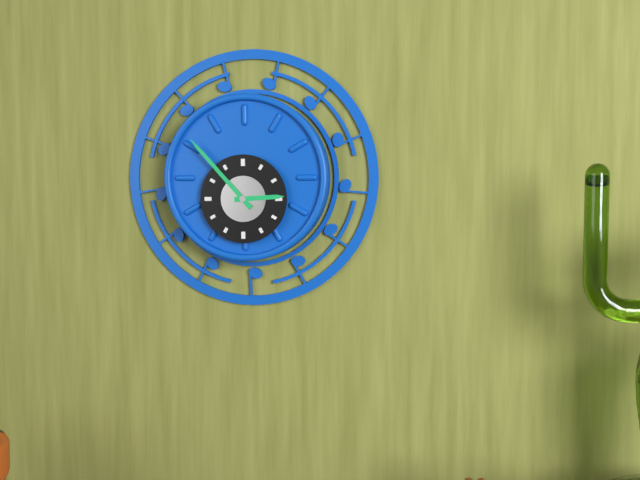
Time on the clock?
2:53
